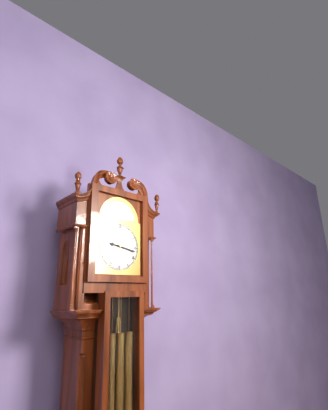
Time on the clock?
9:17
